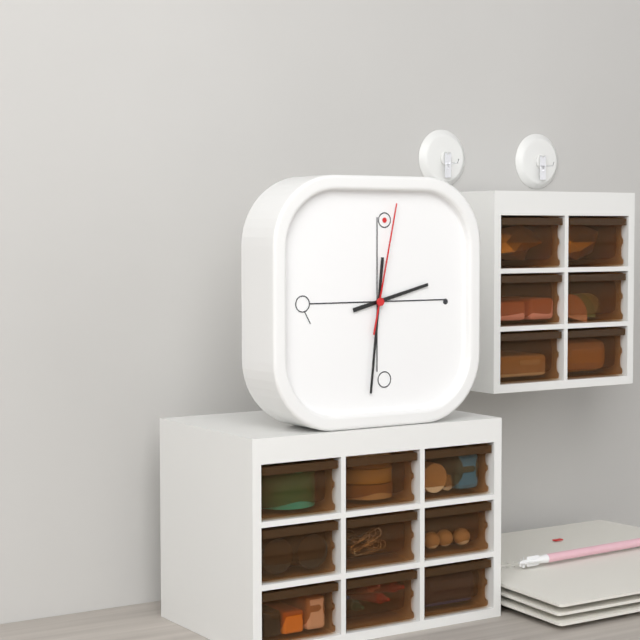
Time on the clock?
2:31:02
